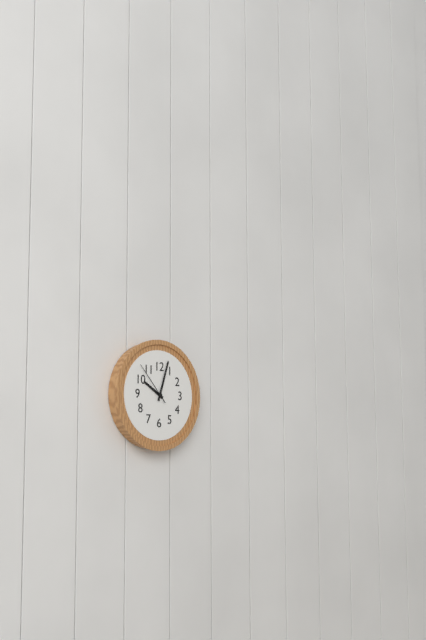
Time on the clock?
10:03
